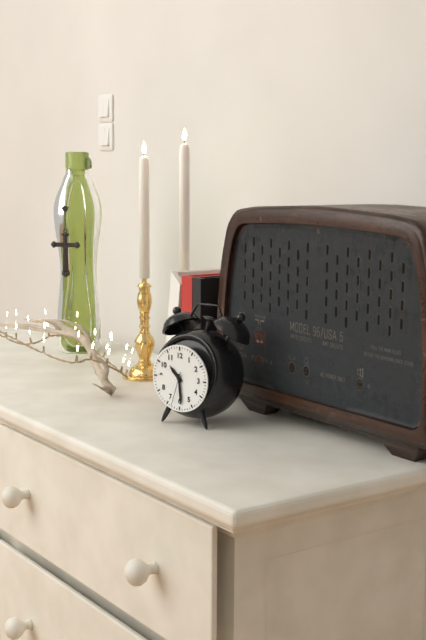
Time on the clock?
10:29
